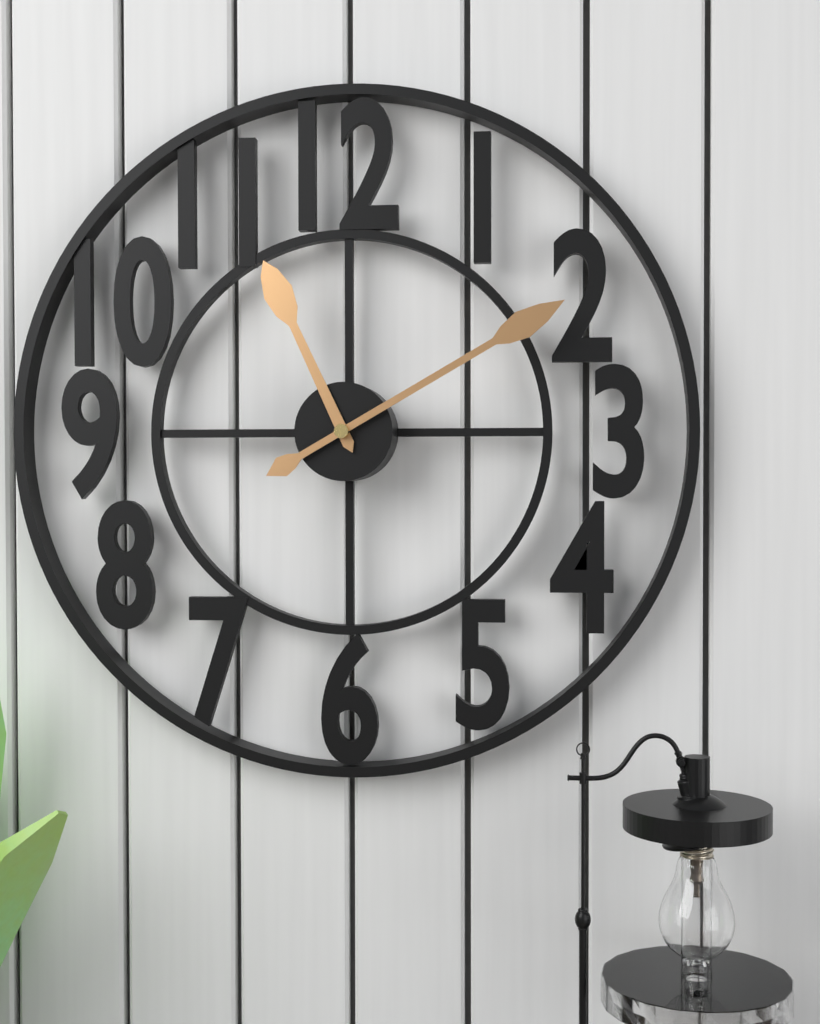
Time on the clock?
11:10
